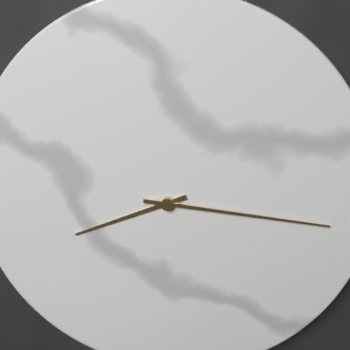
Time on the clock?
8:16
